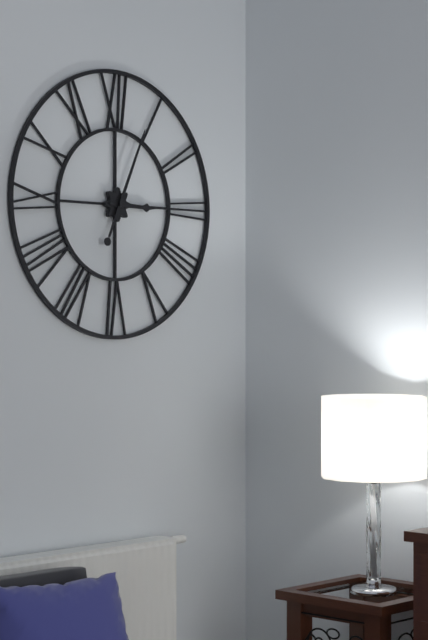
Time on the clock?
3:04
